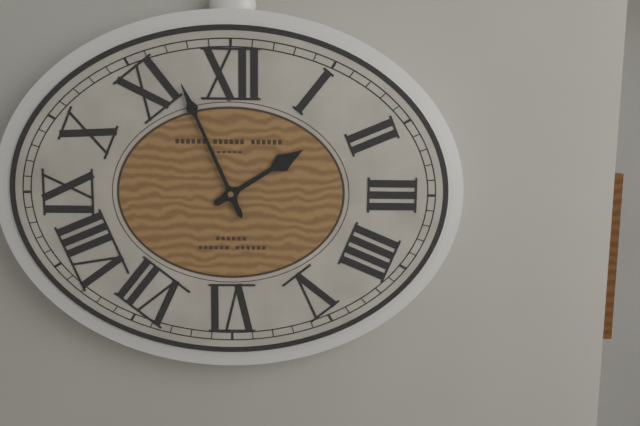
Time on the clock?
1:56
